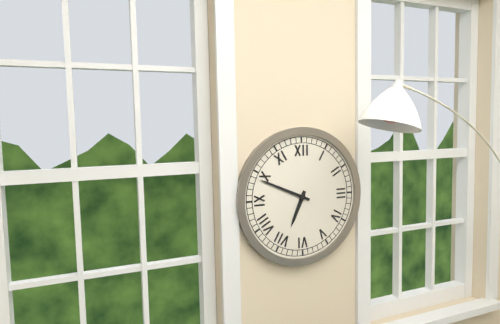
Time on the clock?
6:49
